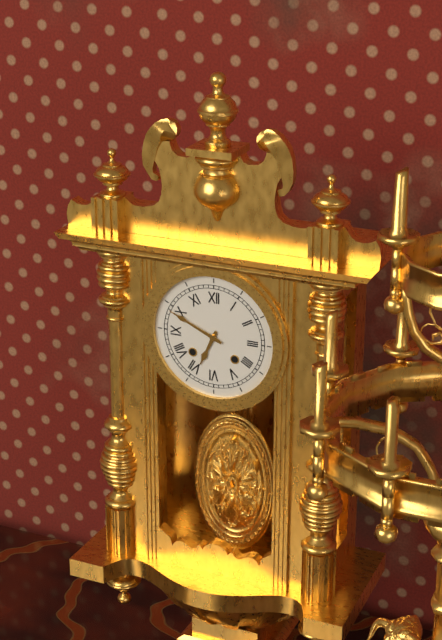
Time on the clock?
6:49
